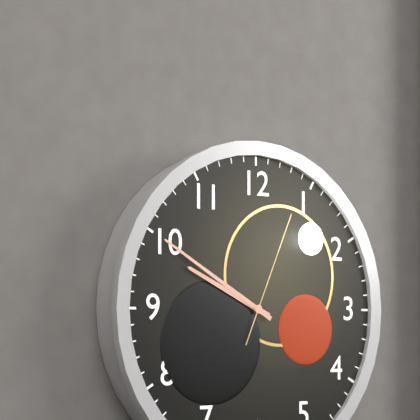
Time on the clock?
9:50:04
